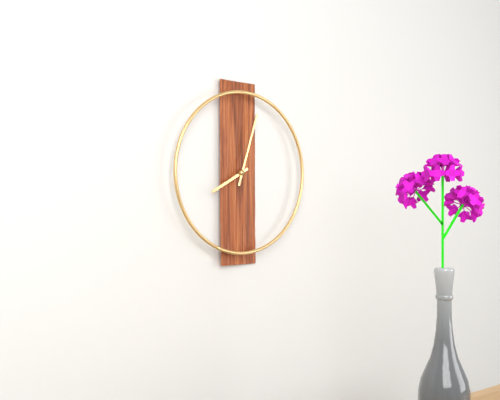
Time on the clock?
8:03
